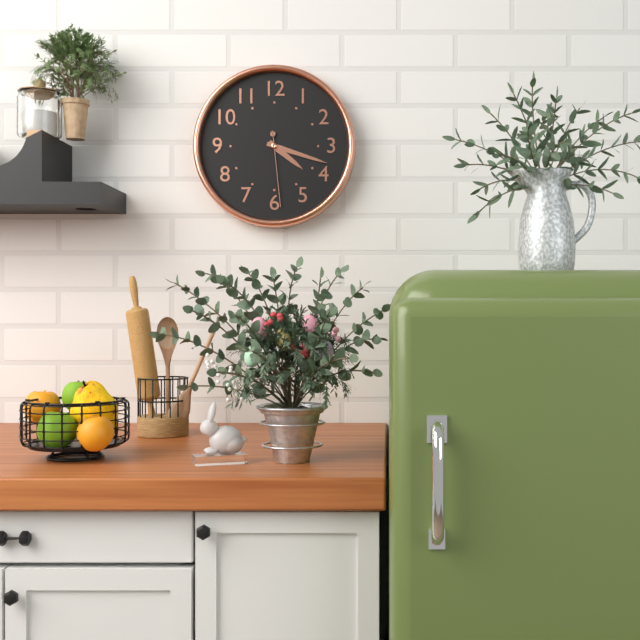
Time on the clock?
4:18:29
